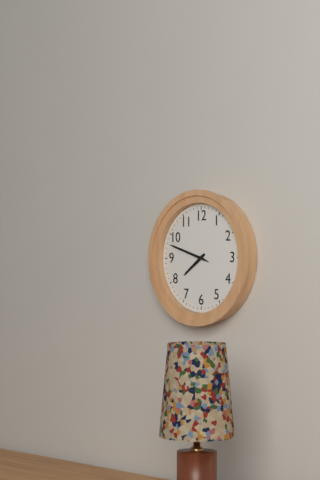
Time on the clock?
7:48
